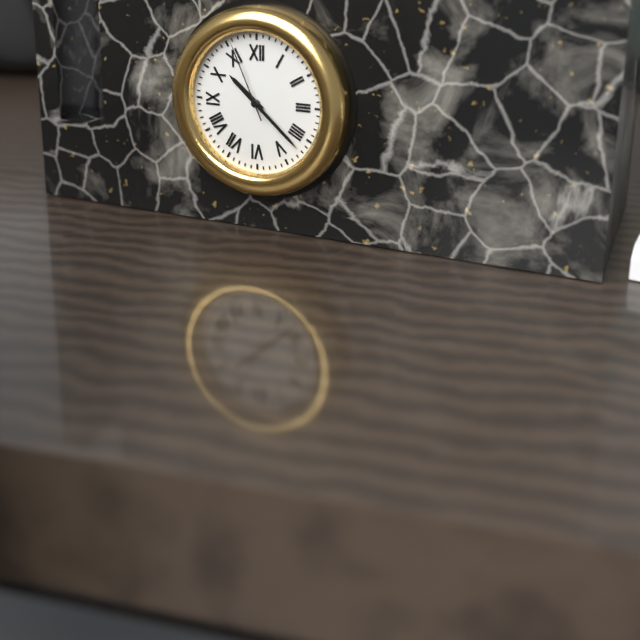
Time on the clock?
10:22:56
